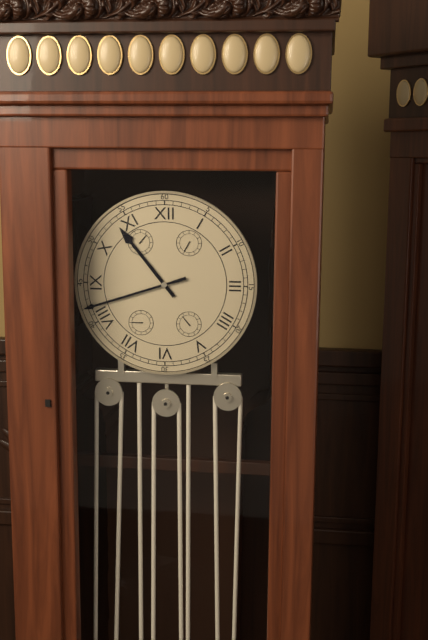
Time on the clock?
10:42
